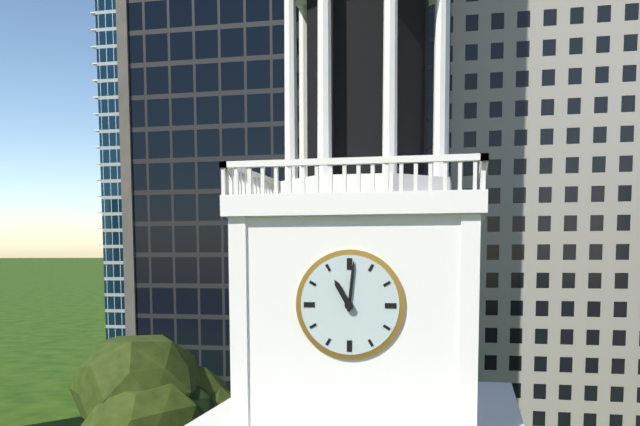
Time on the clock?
11:01
